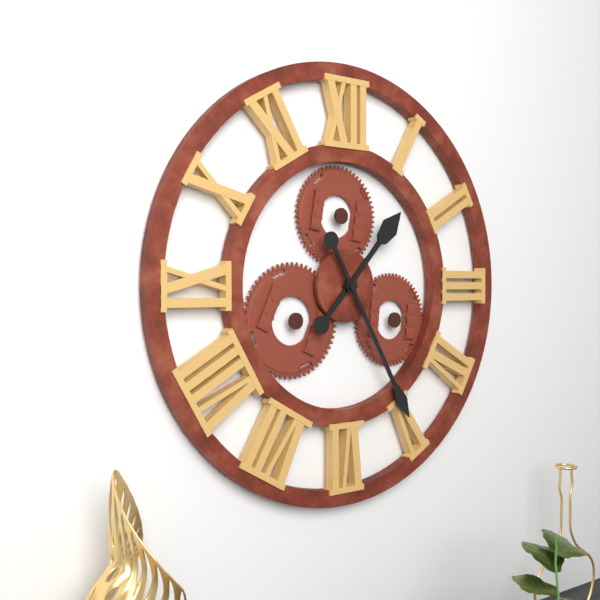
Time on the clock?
1:25
